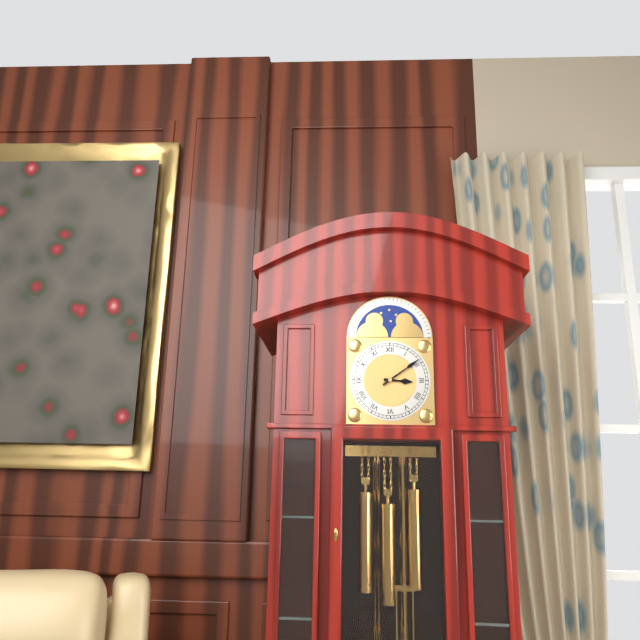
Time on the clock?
3:09
